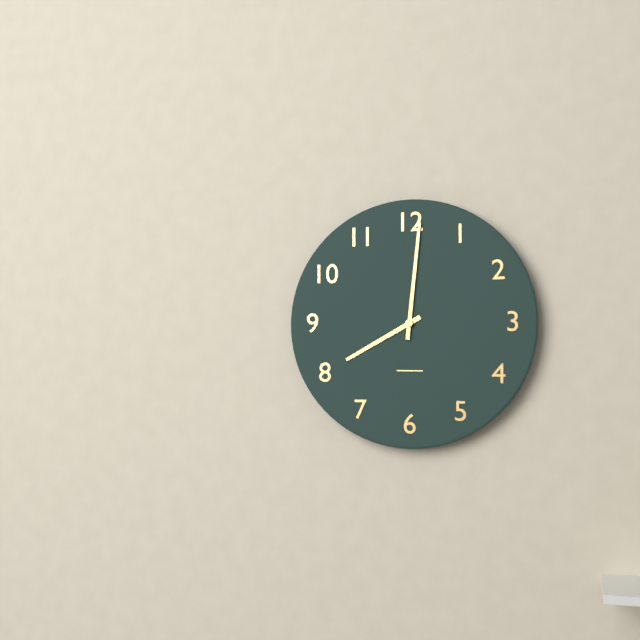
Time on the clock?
8:01
